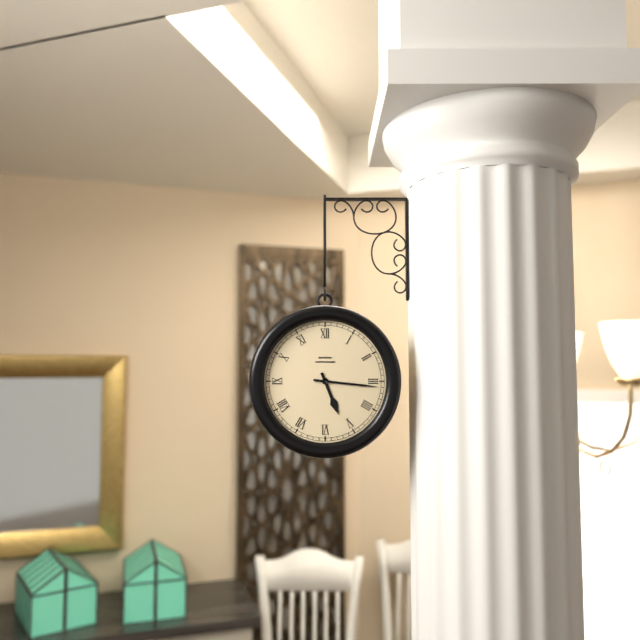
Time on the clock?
5:16
